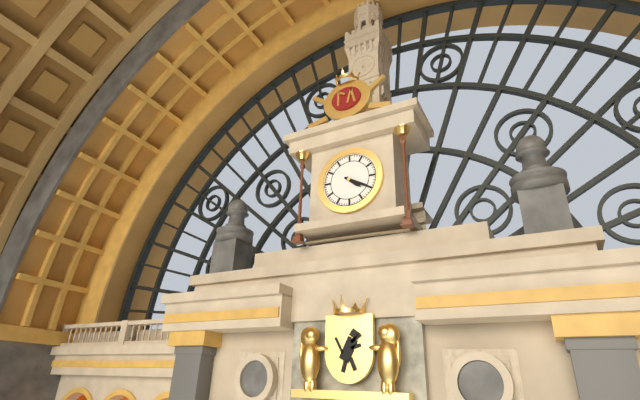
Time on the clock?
4:20
